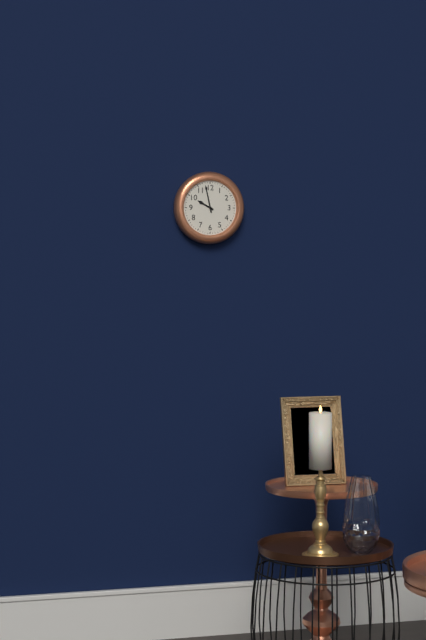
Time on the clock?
9:58
